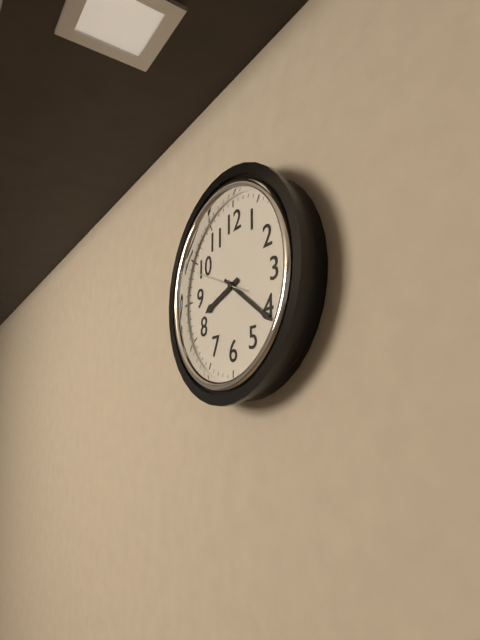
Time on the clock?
8:21
